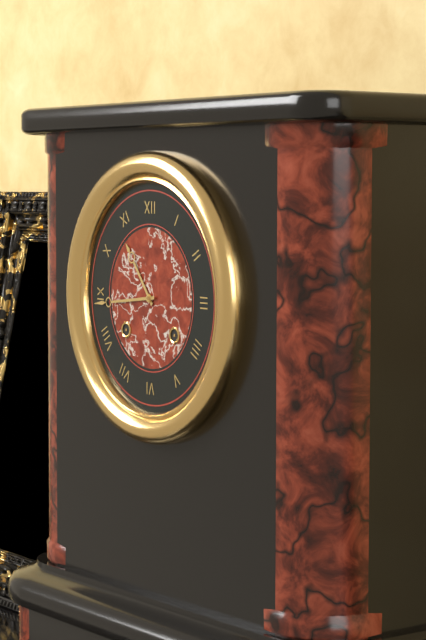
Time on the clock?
10:44
